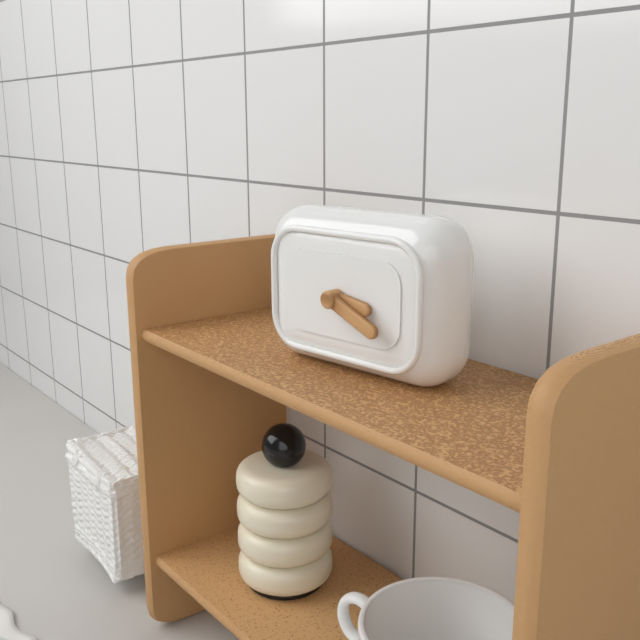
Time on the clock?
3:19
